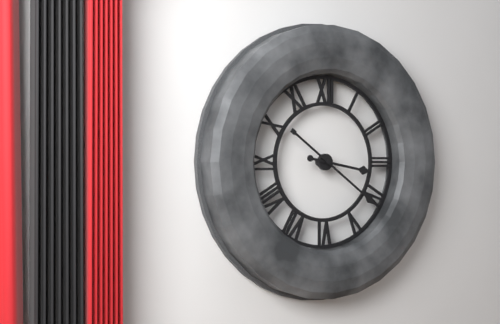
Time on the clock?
3:21
